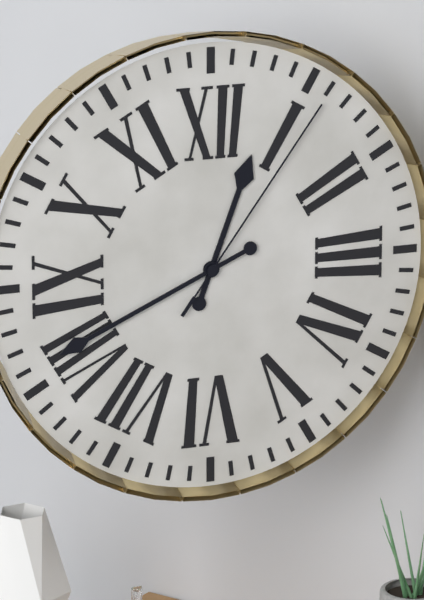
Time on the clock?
12:41:06
